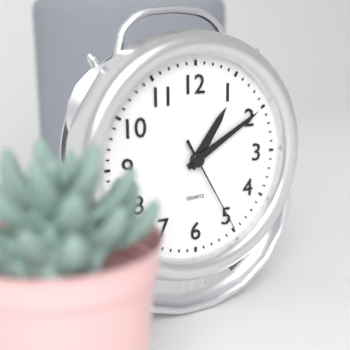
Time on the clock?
1:10:25
